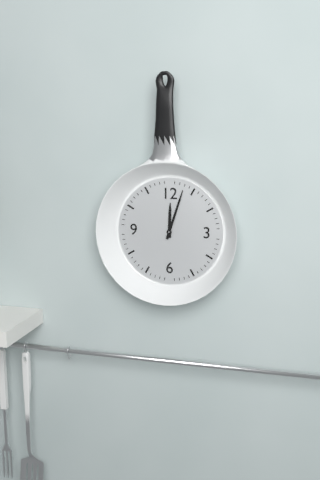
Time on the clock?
12:03
